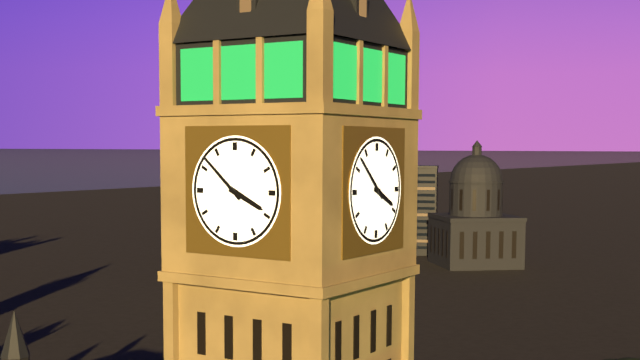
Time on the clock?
3:52
